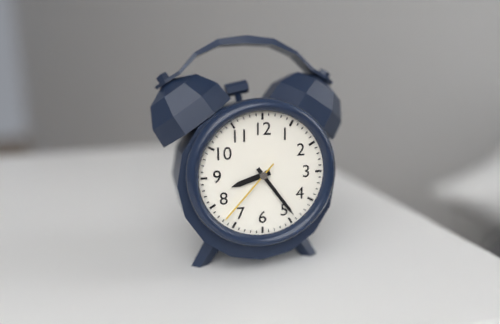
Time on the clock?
8:24:37
